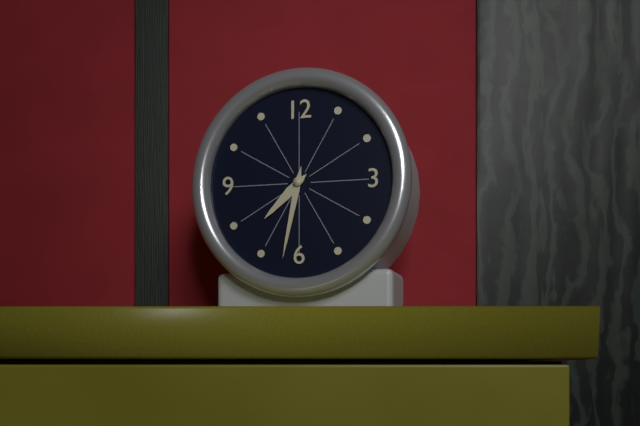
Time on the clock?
7:32
